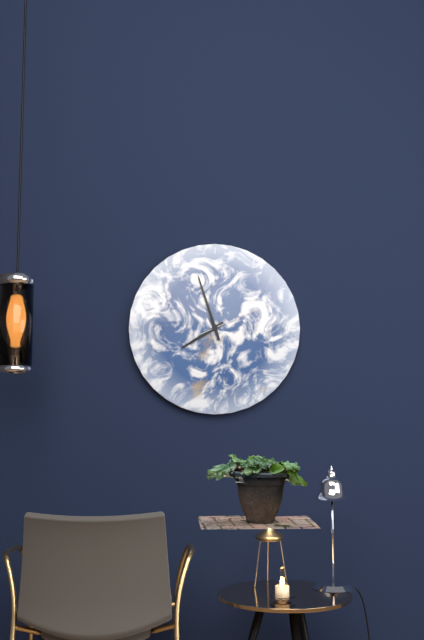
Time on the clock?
7:57:11
